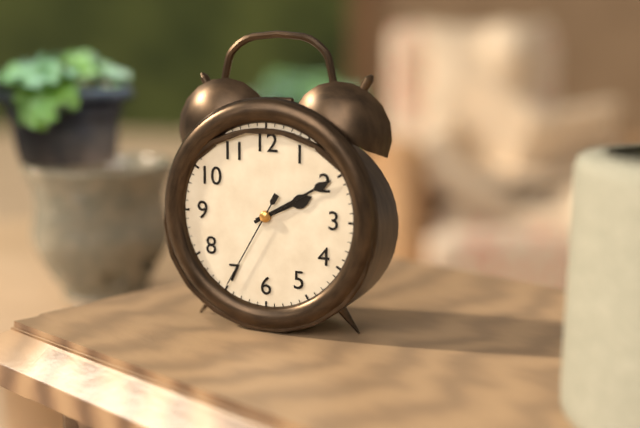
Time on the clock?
2:10:35
